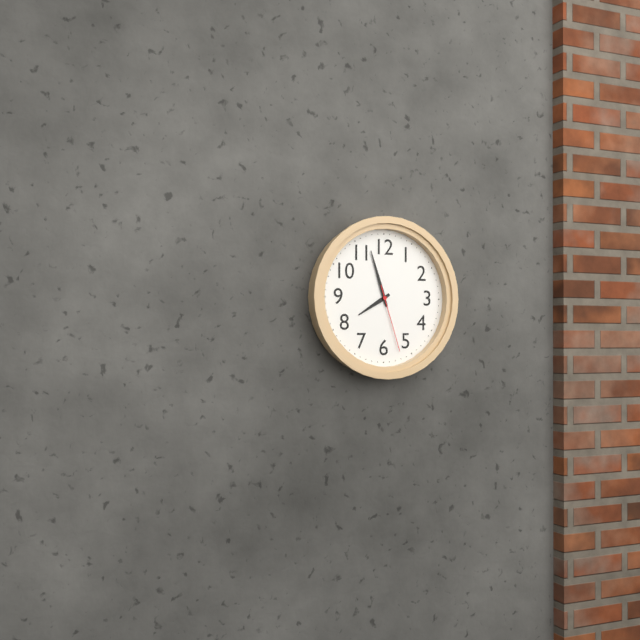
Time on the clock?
7:57:27
